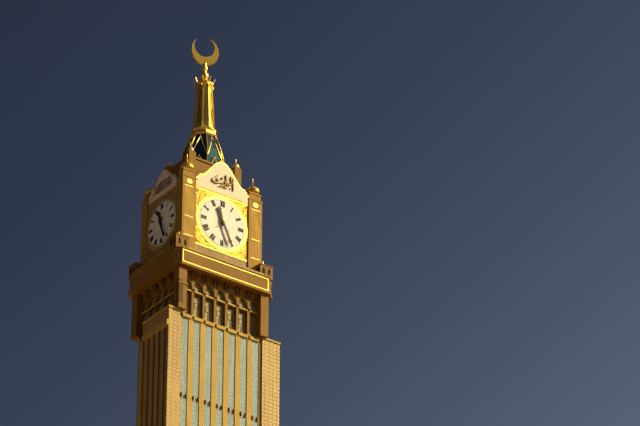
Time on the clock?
11:26
